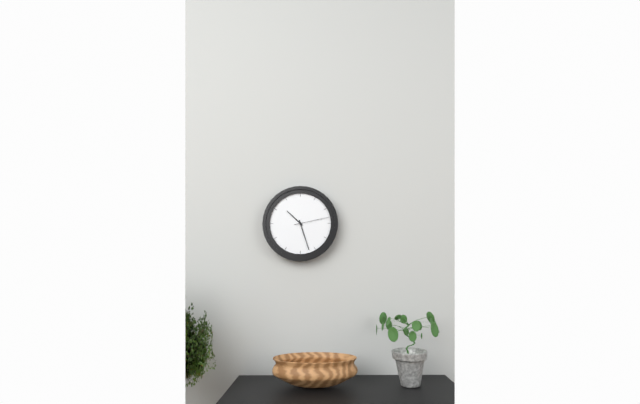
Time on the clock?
10:27
